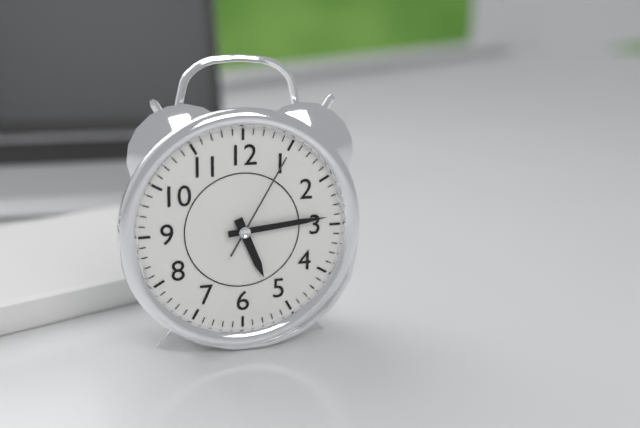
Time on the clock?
5:14:05
